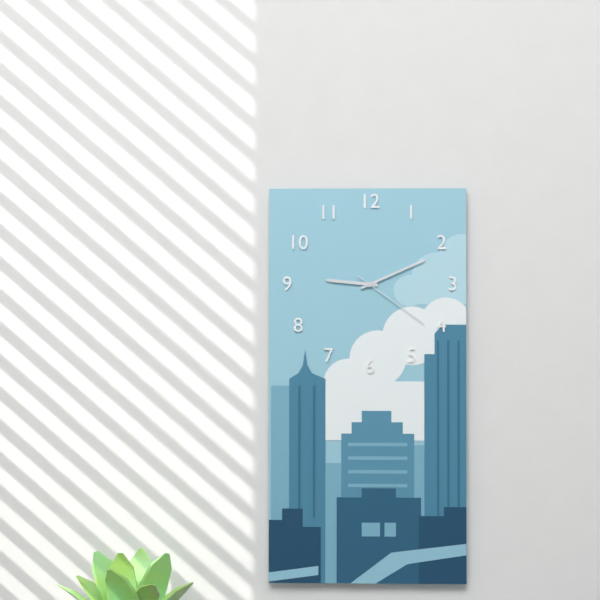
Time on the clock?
9:11:21
